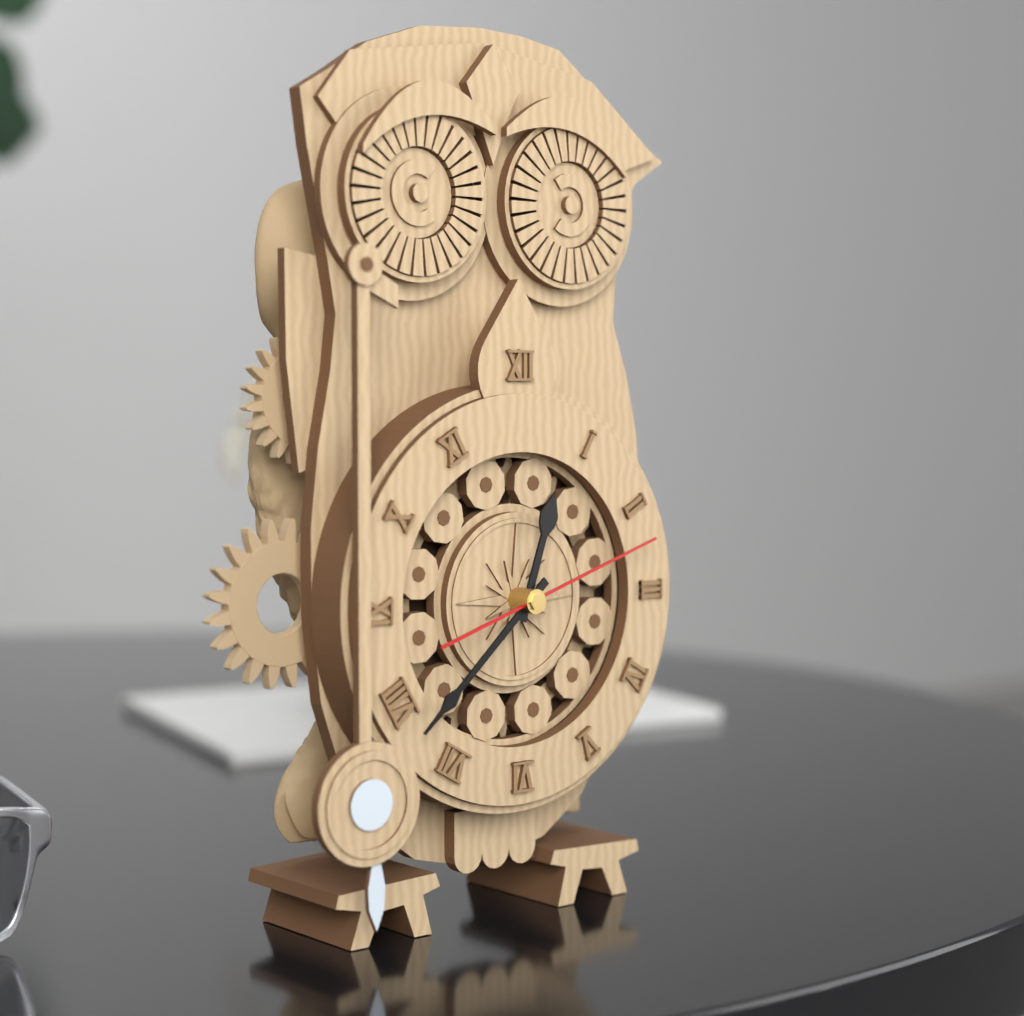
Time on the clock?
12:38:12
